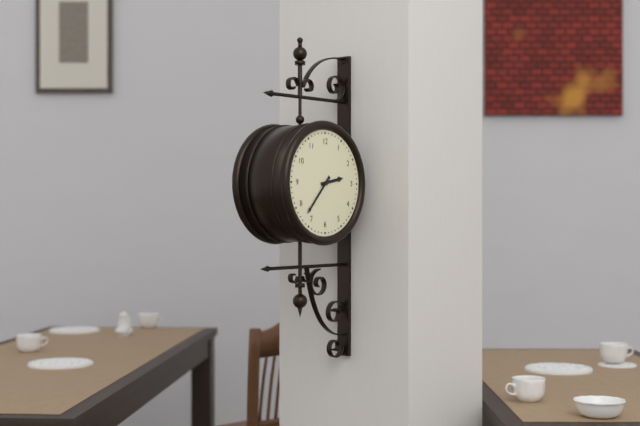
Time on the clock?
2:37
